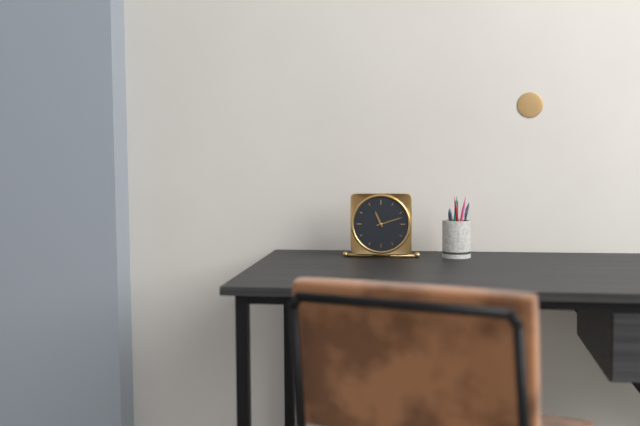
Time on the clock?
11:12
